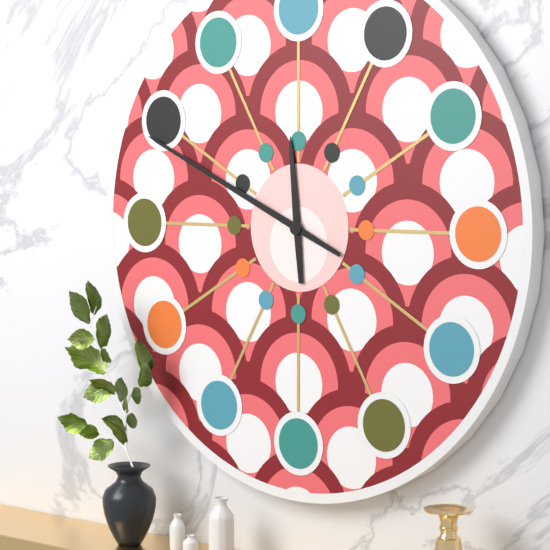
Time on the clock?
11:49
